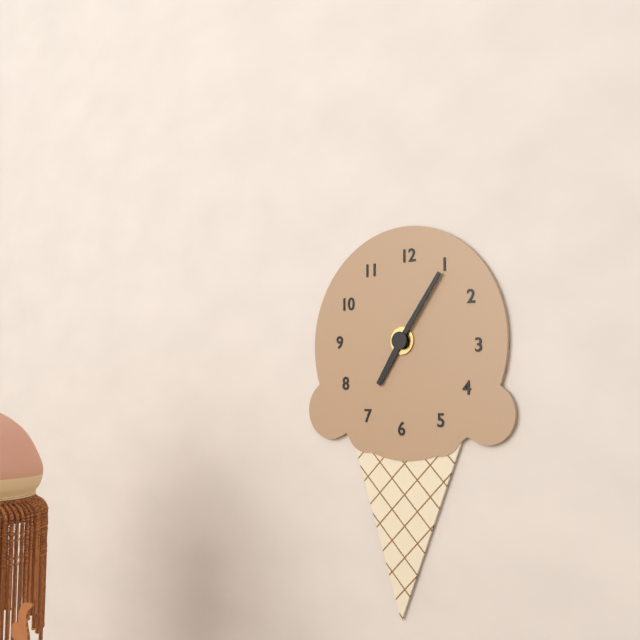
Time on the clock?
7:06
